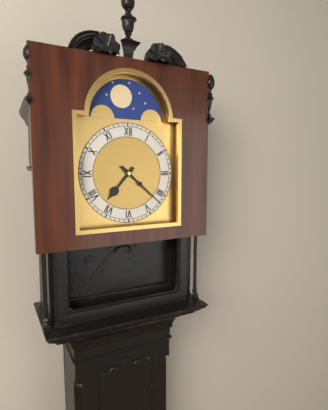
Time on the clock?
7:22
